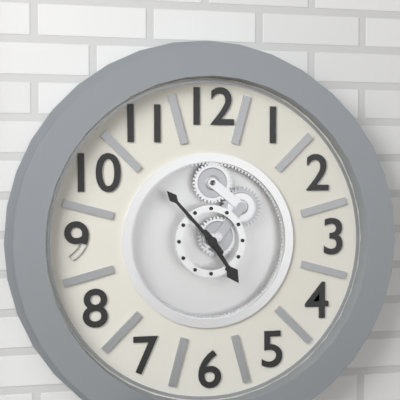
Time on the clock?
4:53
